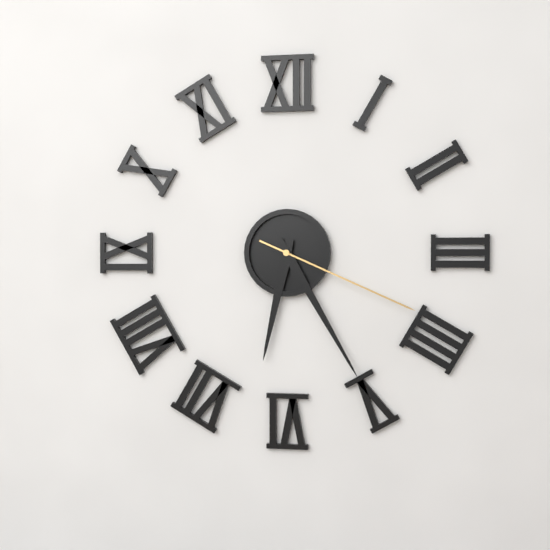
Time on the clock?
6:25:19
